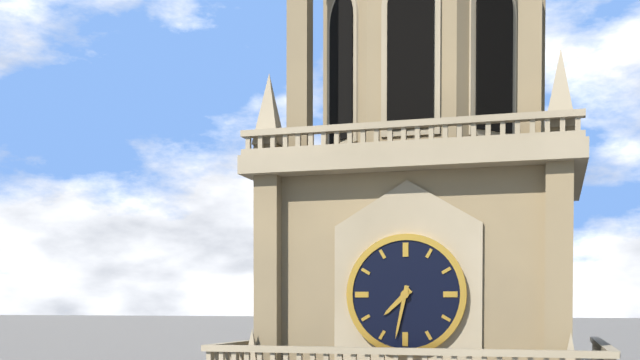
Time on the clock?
7:32
